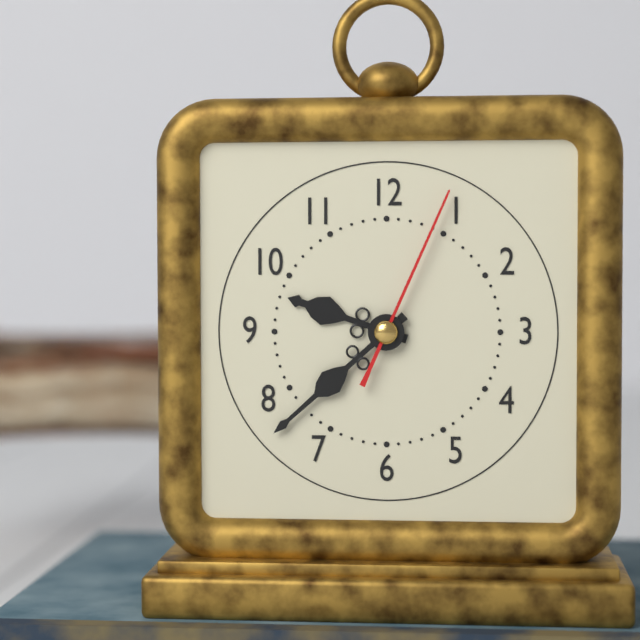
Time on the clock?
9:38:04
